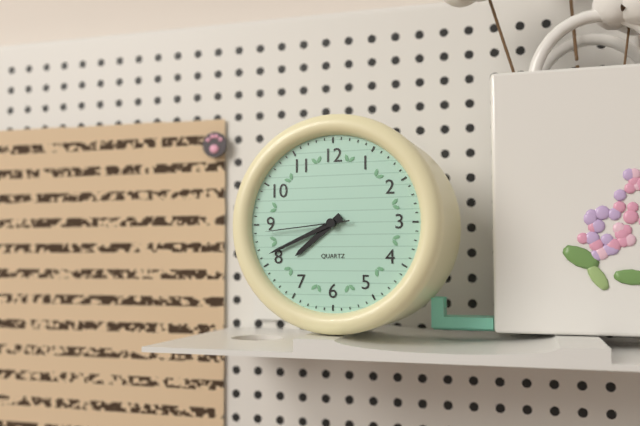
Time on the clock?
7:41:44
